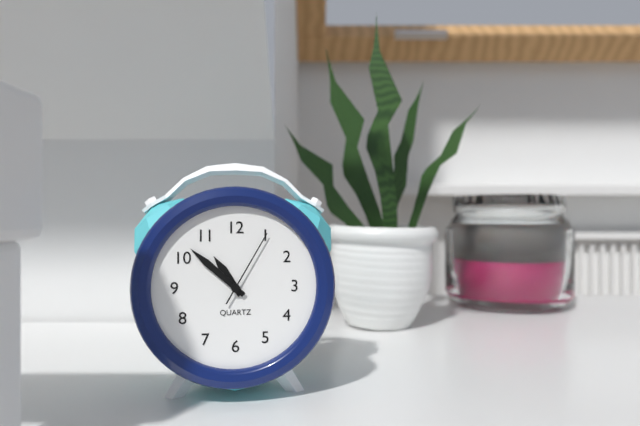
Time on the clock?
10:52:05
